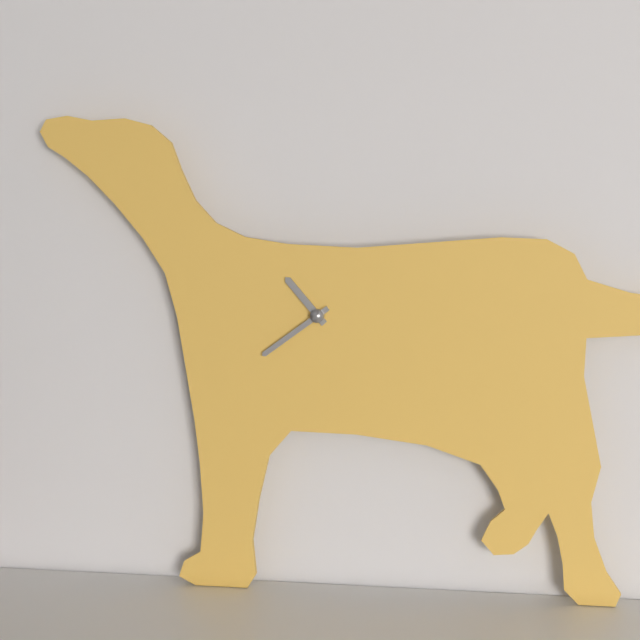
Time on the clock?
10:39
